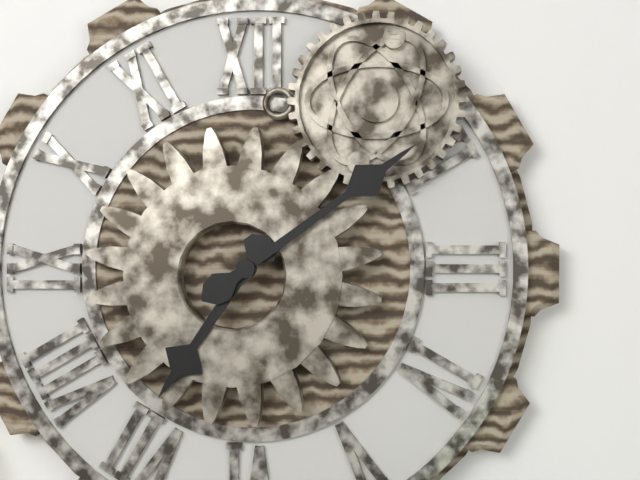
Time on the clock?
7:09
